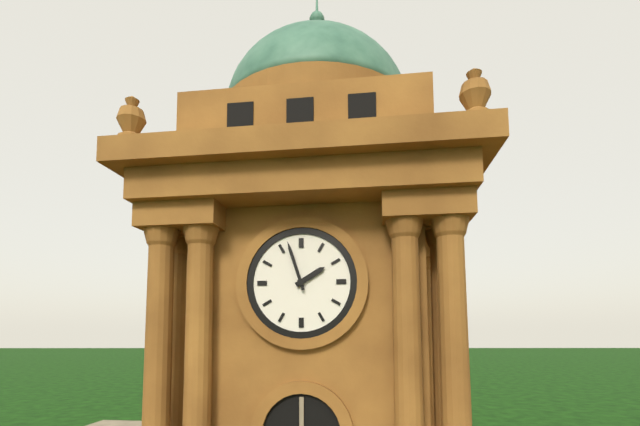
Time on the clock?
1:57
